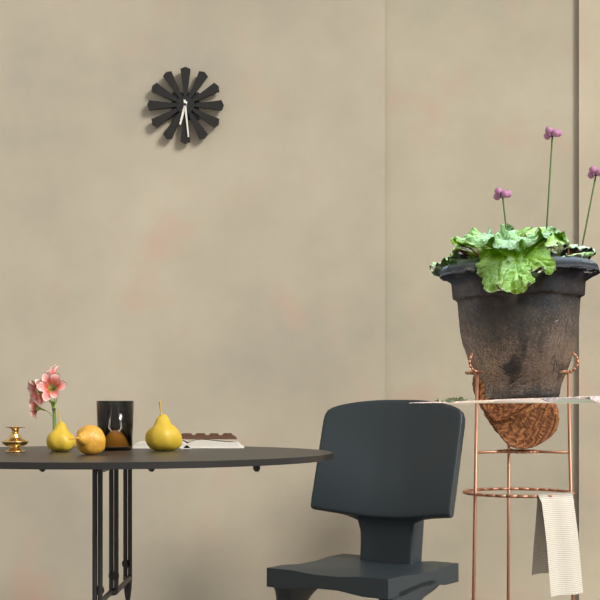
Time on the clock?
6:29
